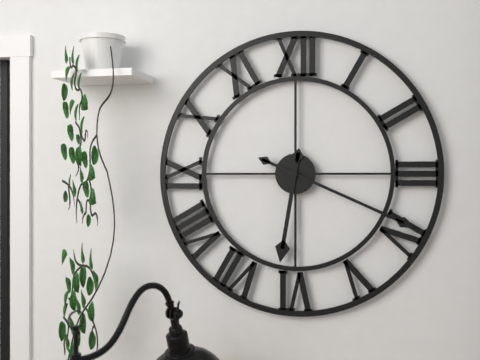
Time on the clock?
6:19
